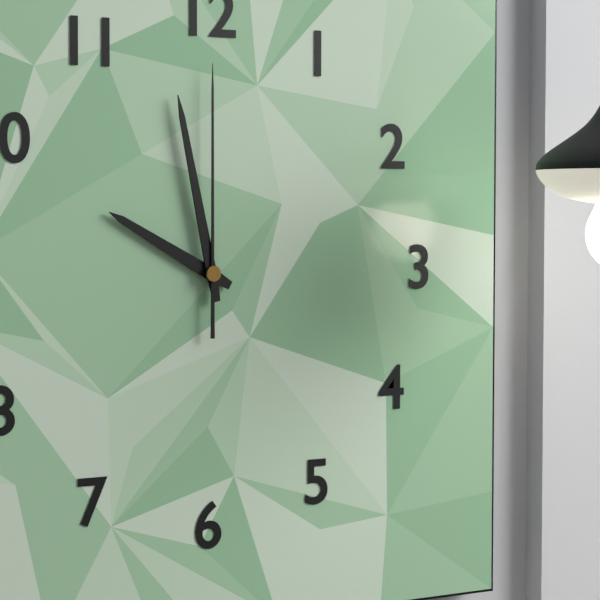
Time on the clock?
9:58:00
